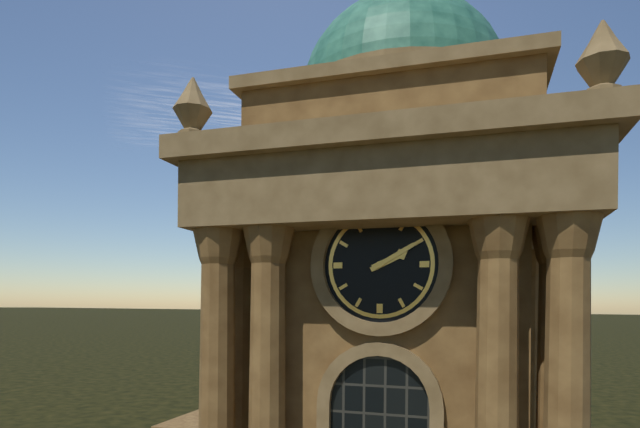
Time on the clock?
2:10
